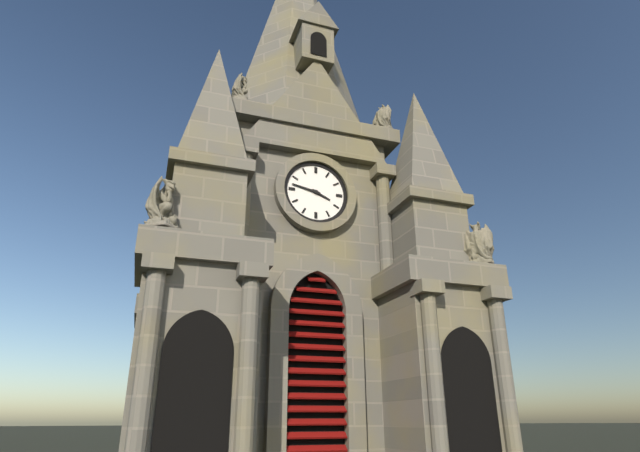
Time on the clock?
3:47
